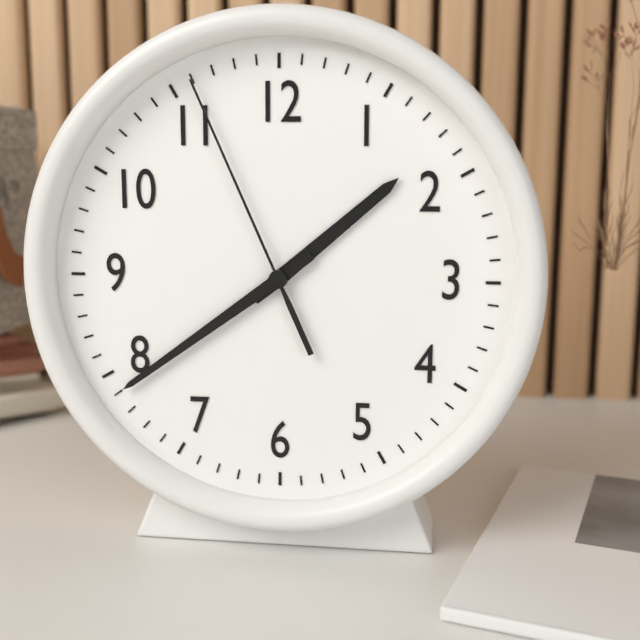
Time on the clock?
1:39:56
